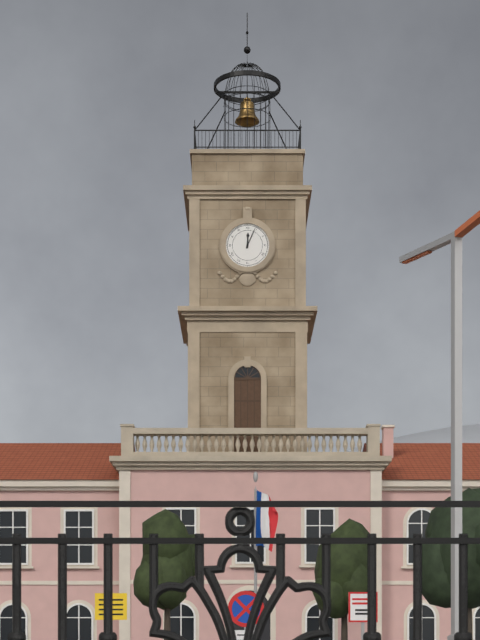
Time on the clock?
12:04
